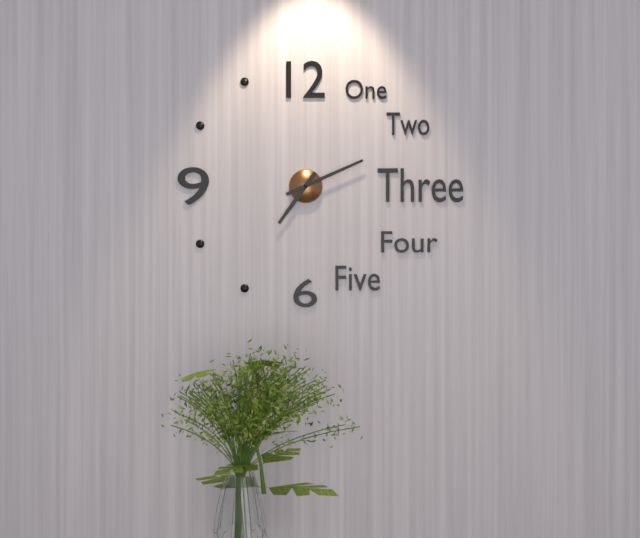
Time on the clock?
7:11
